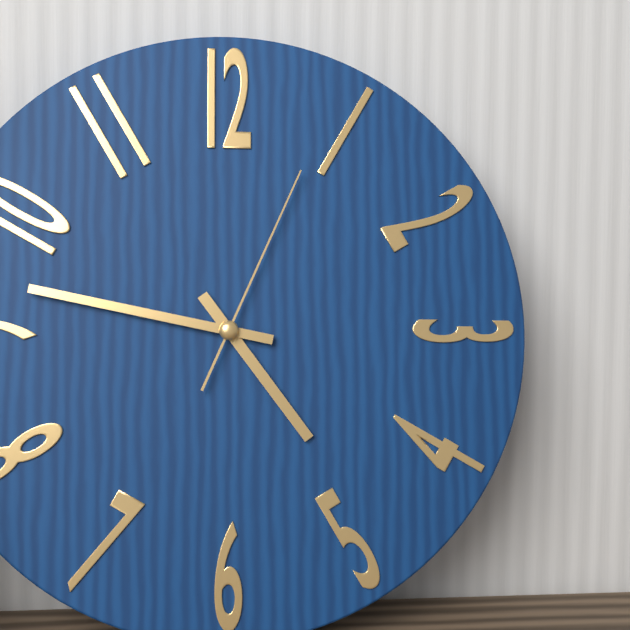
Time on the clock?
4:47:04
